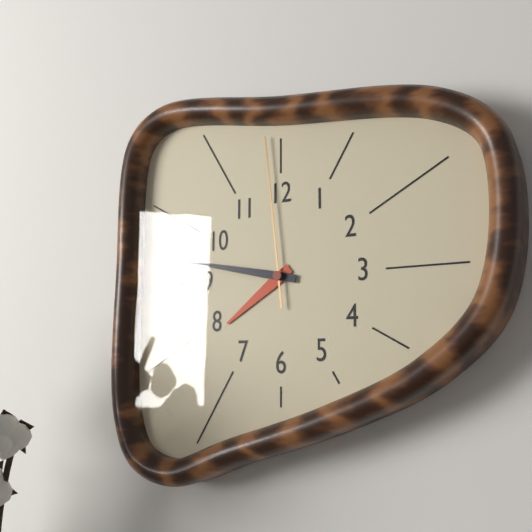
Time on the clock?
7:47:59
